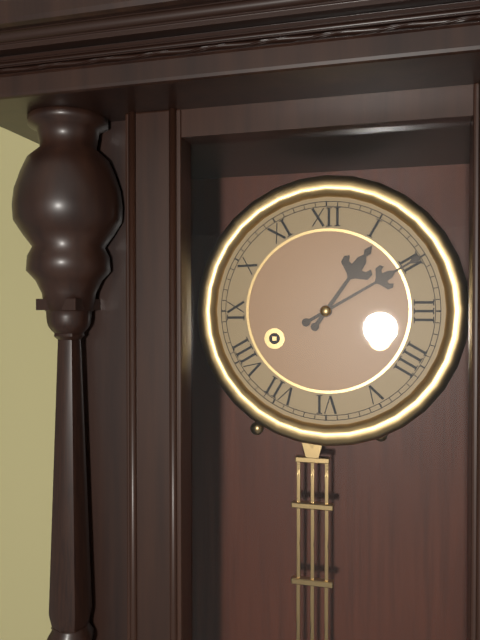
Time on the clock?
1:10
